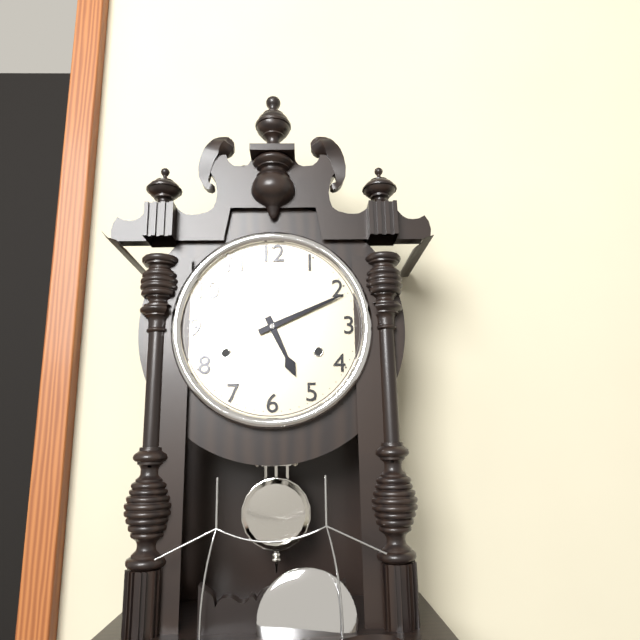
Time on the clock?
5:11
